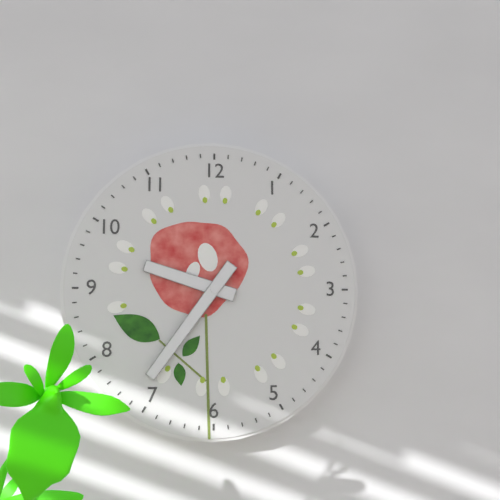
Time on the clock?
9:36
